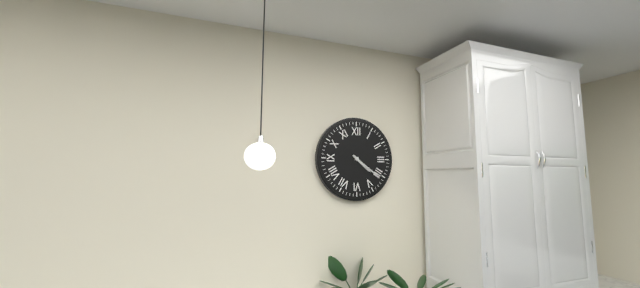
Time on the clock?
4:21
